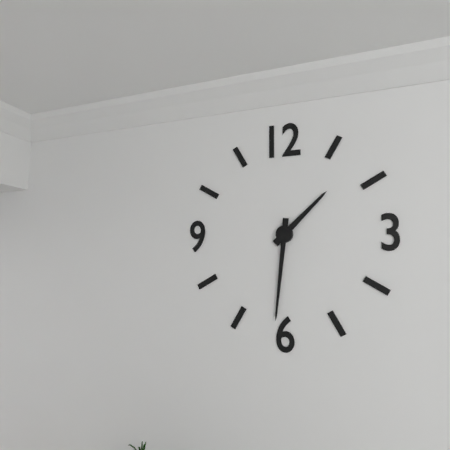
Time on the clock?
1:31
